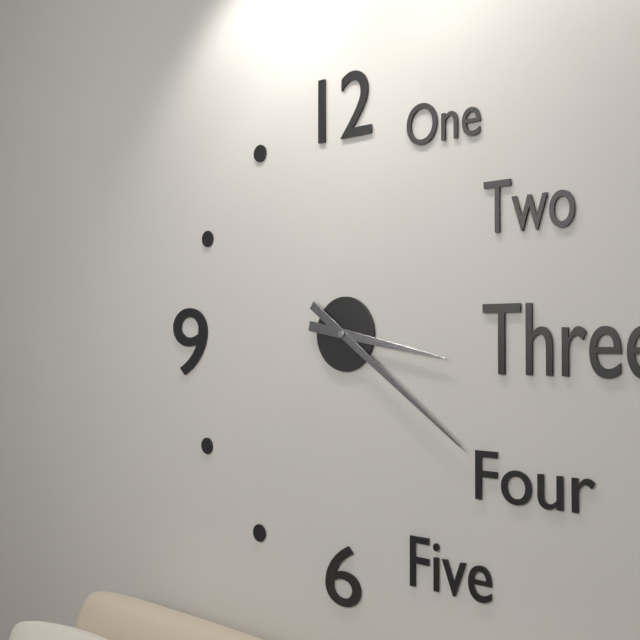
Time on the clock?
3:21
